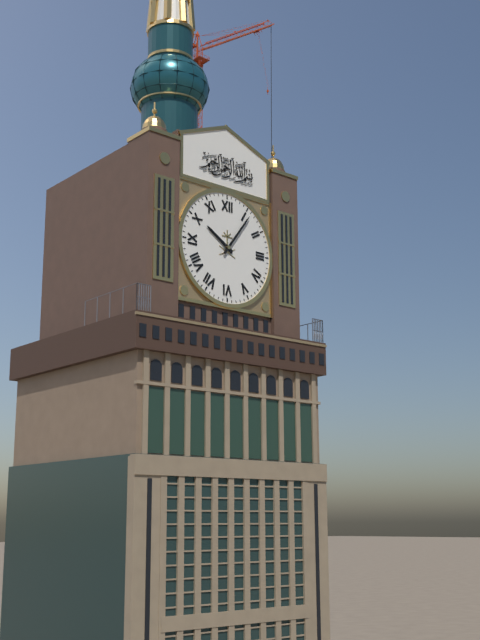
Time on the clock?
10:06
